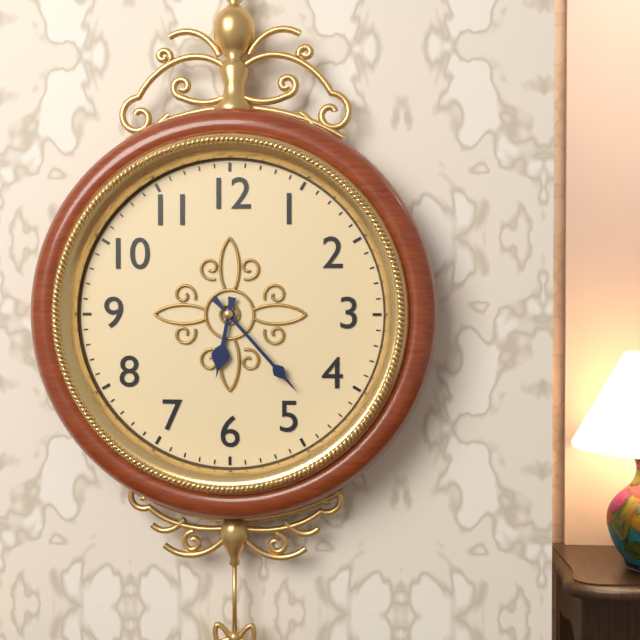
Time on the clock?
6:23
